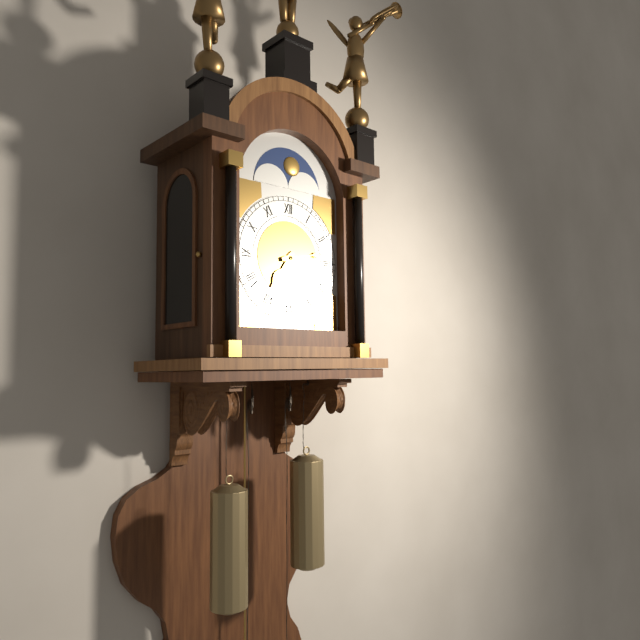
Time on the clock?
7:13
